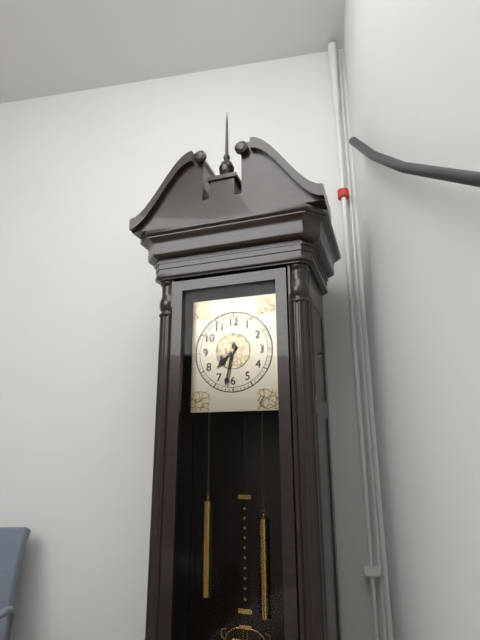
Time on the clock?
7:32
